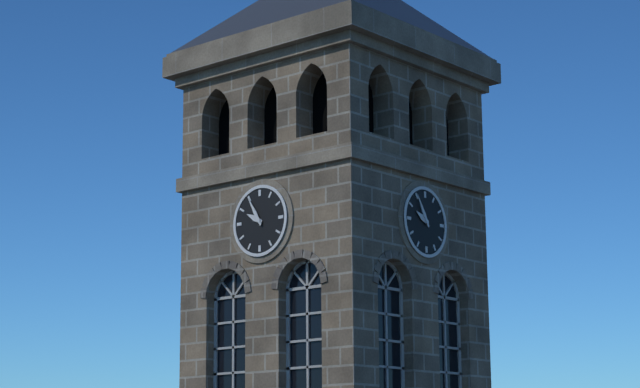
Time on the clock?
9:55
